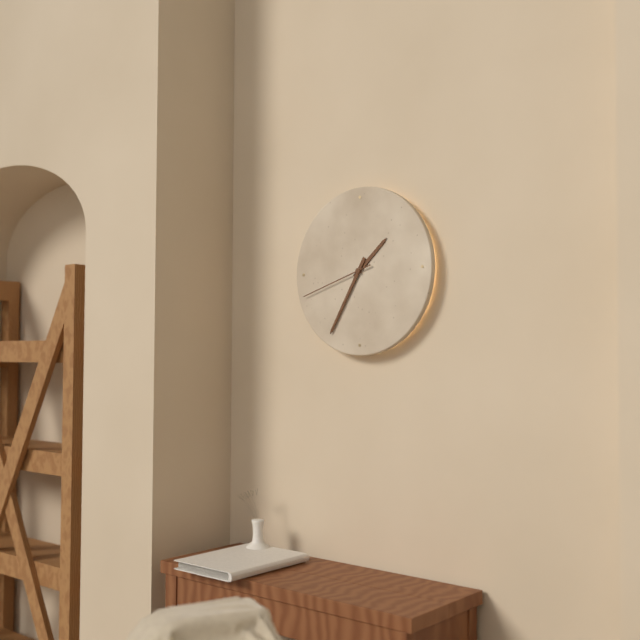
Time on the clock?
1:35:42
